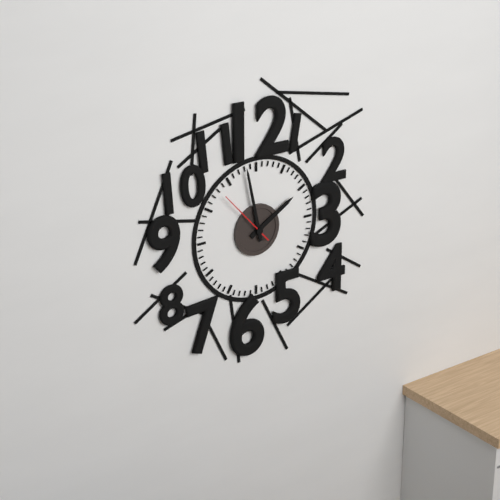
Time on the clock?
1:58:53
